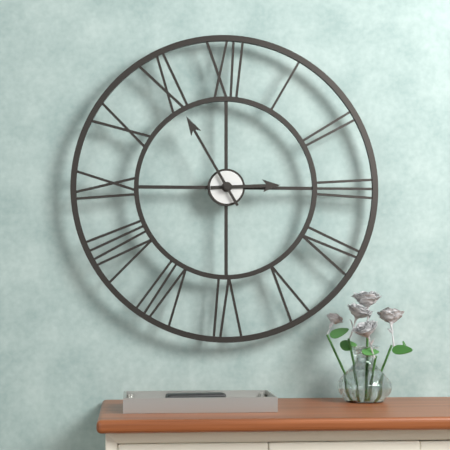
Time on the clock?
2:55
